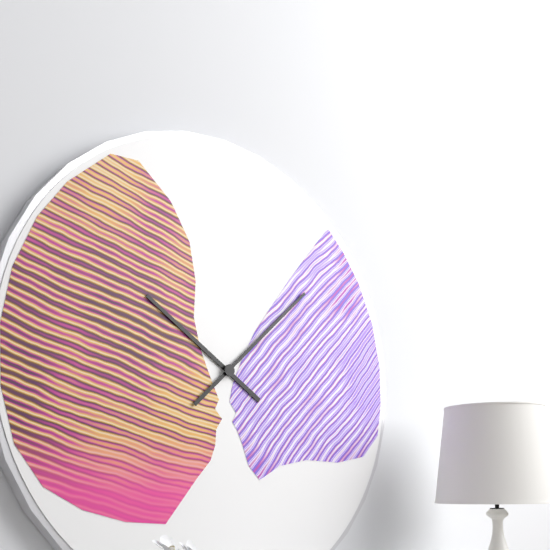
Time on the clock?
10:08
